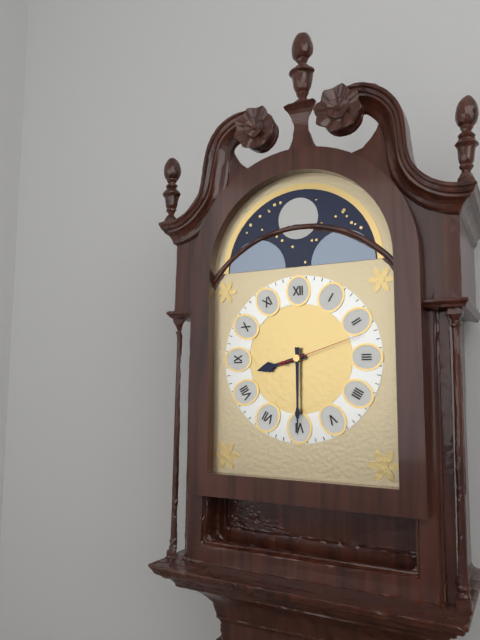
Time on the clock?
8:30:12
